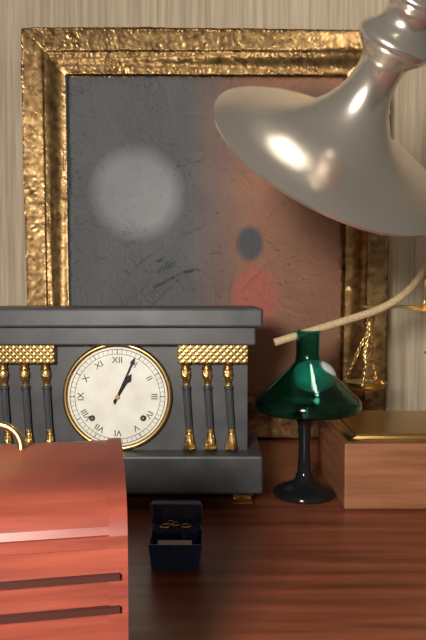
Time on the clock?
1:04
